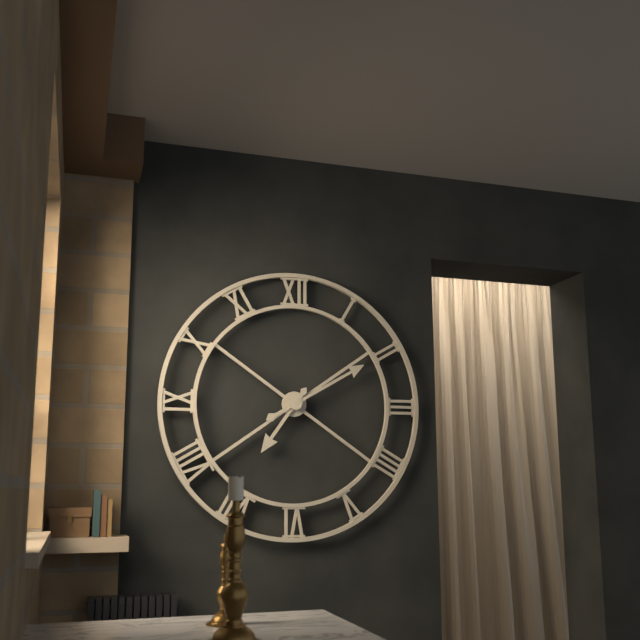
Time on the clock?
7:10
